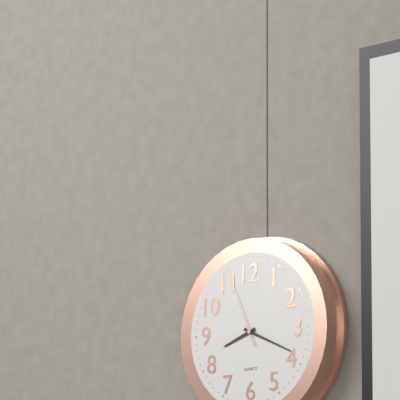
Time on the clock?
8:19:56
